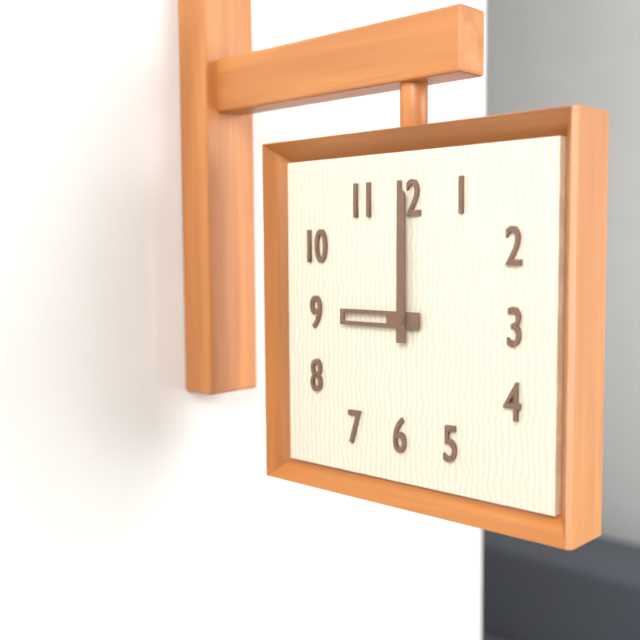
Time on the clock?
9:00
